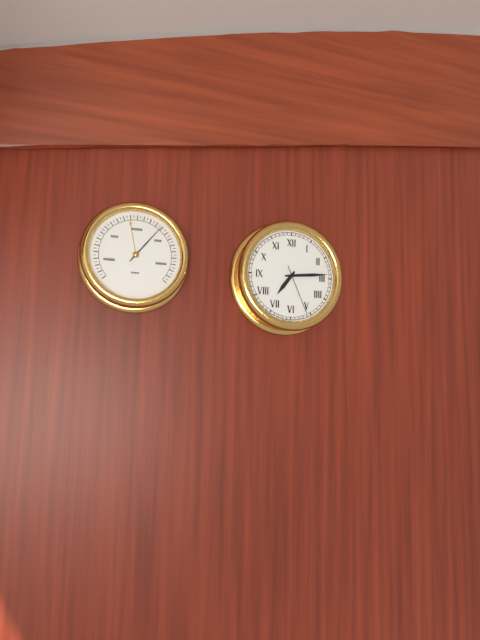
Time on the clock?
7:14:26
